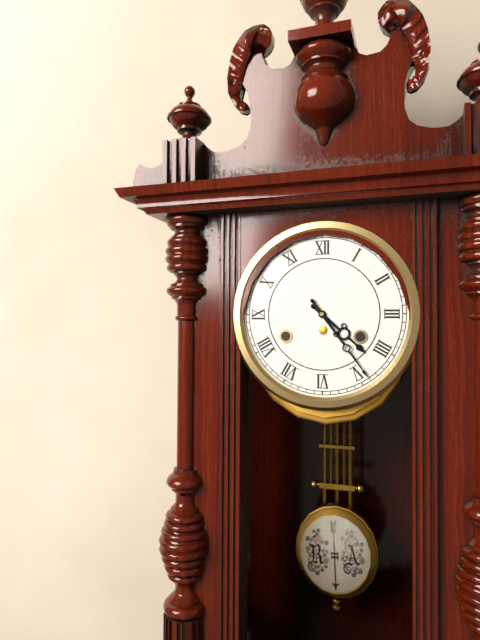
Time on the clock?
4:24
